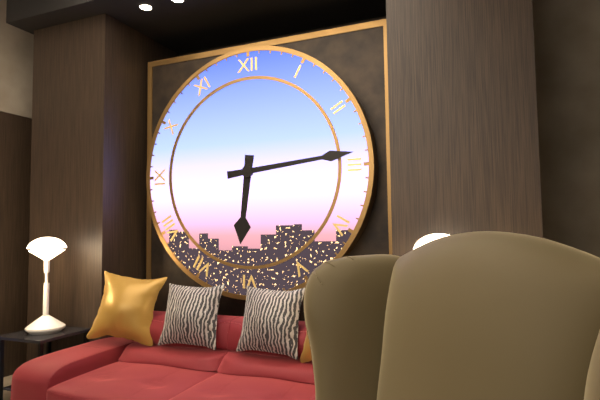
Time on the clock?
6:14
